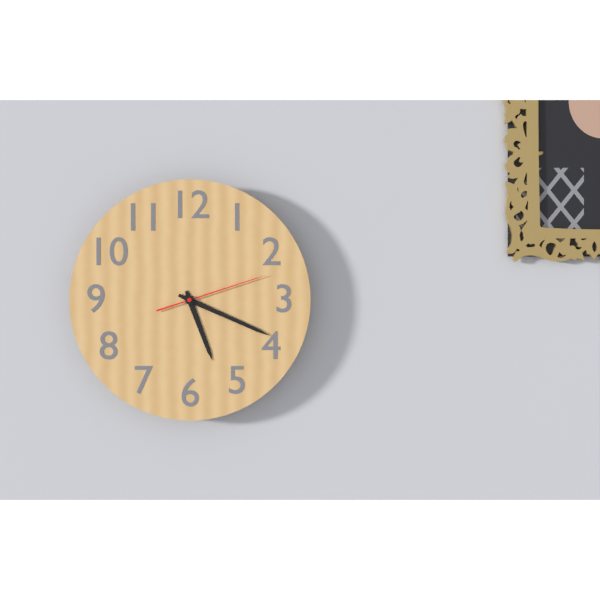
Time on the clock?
5:19:12
